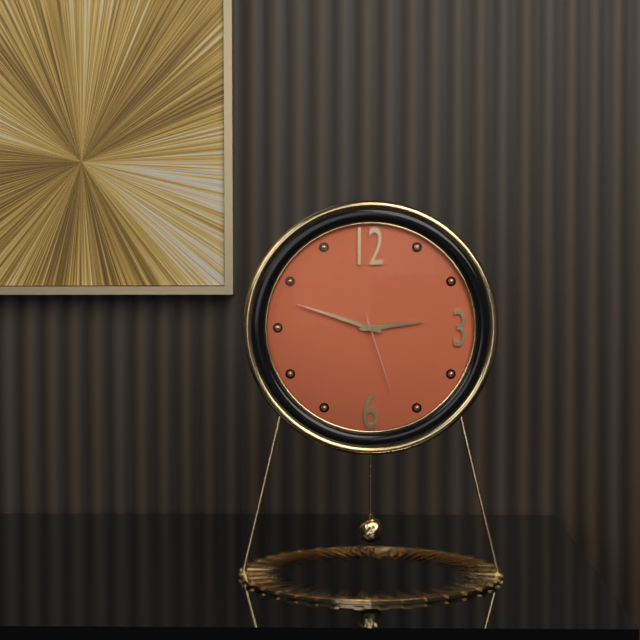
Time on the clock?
2:48:27
